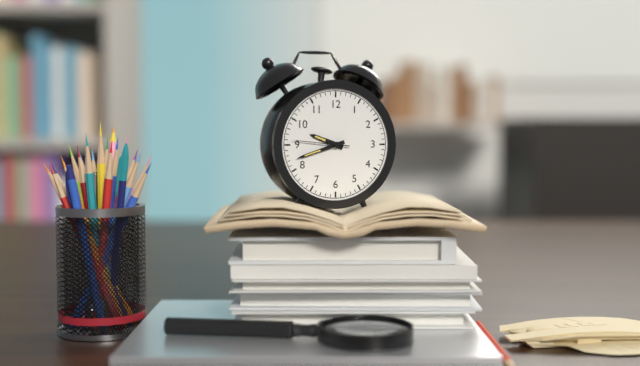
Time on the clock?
9:42:46
